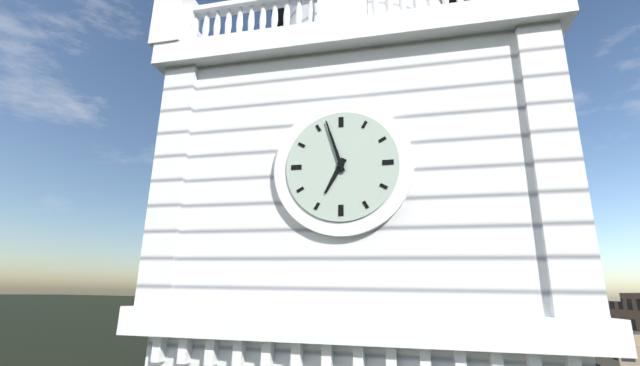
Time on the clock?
6:57
